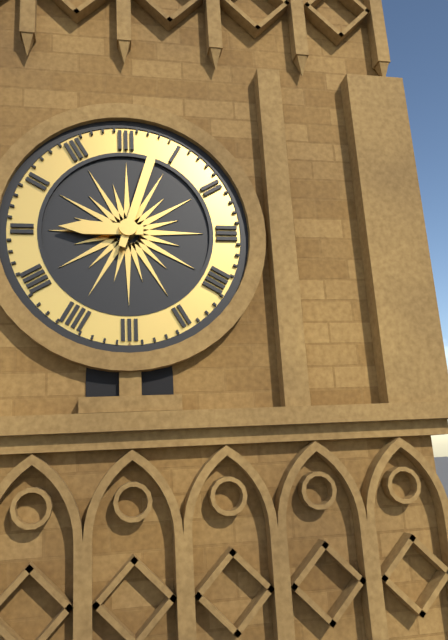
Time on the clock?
9:03
